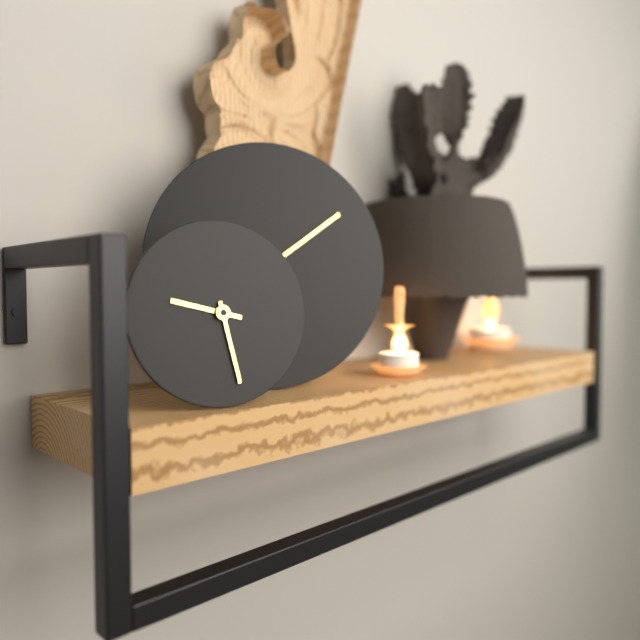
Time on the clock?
9:28
